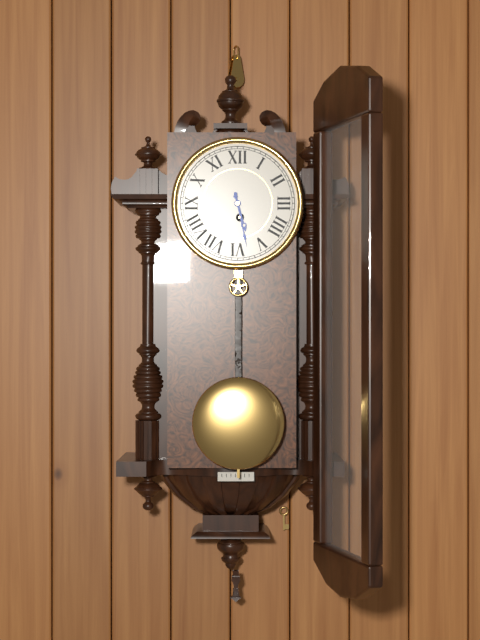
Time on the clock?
5:28
